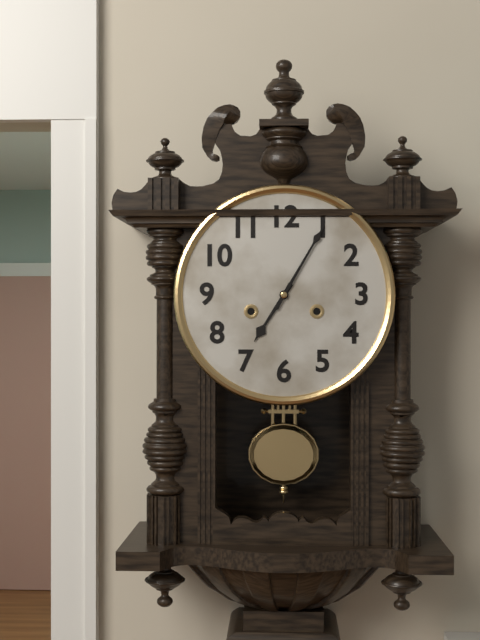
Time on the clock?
7:05
